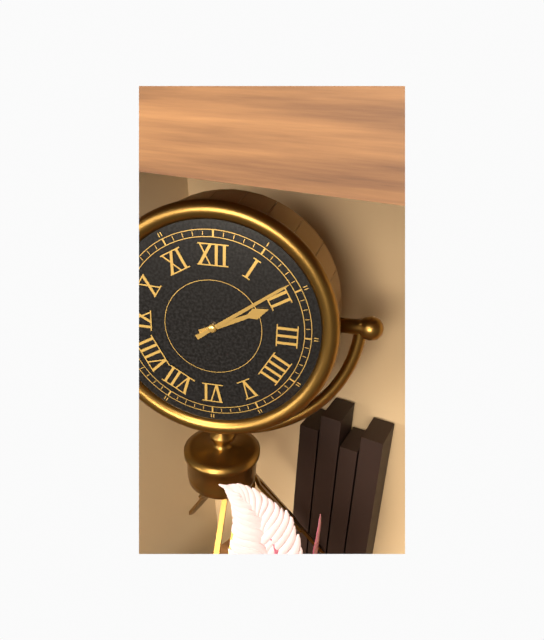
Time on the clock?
2:09
